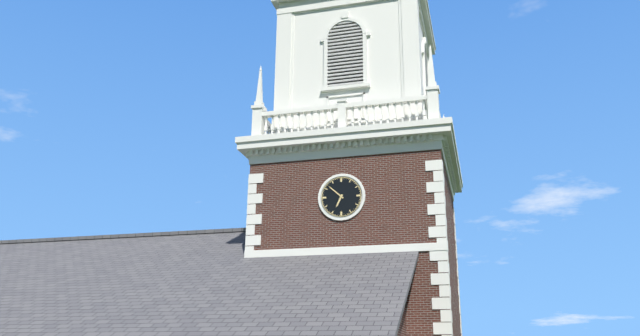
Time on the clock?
6:52
